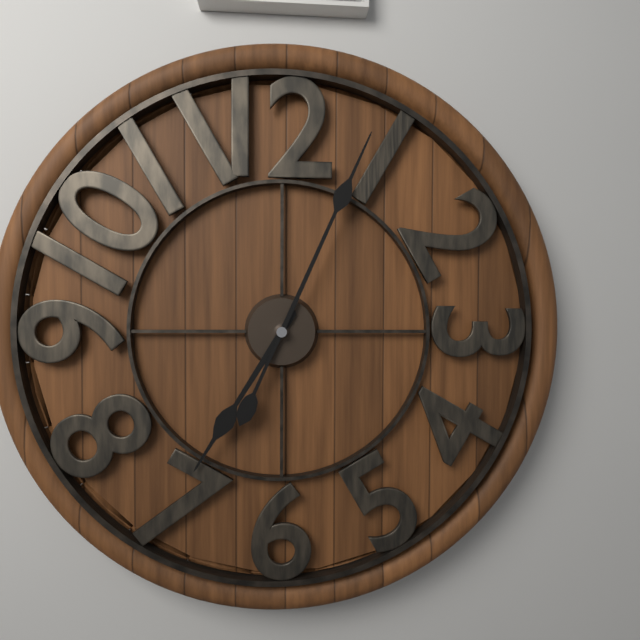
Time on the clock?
7:04
